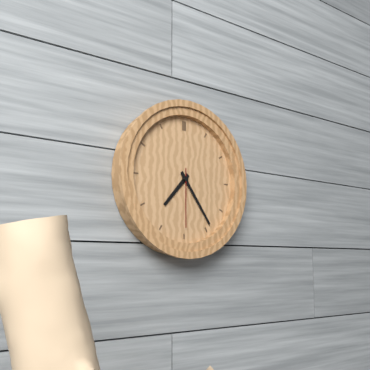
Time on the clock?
7:24:30
